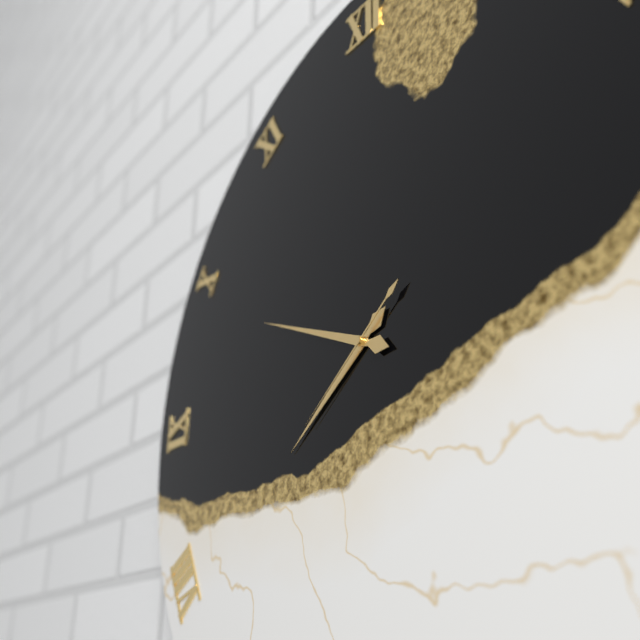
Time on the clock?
7:49:39
